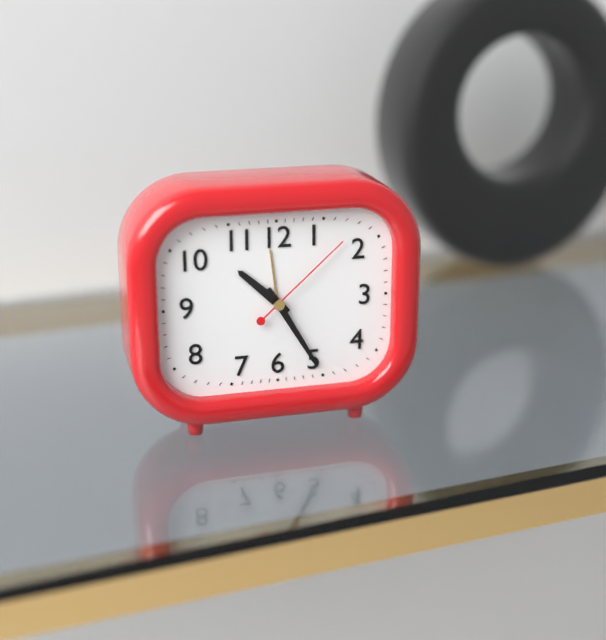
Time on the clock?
10:25:08
